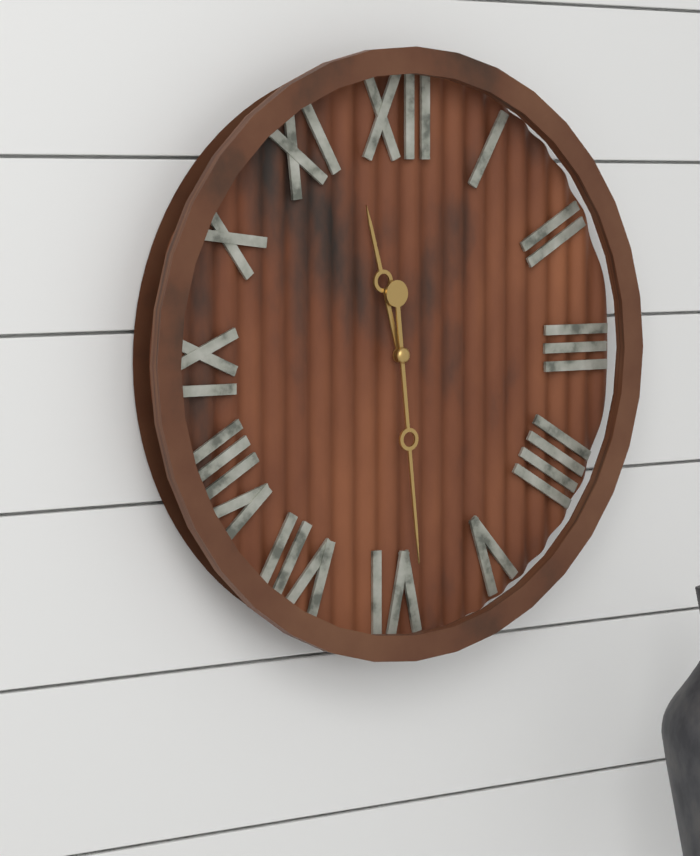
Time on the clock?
11:29
